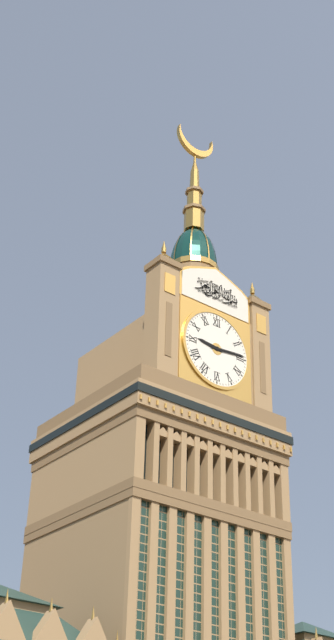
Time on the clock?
9:14
